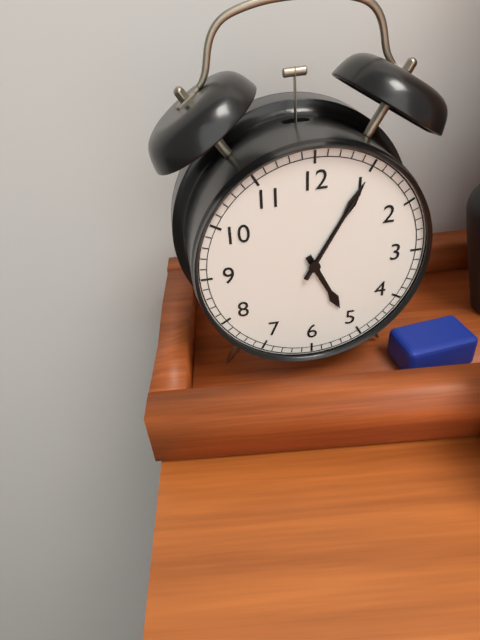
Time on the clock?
5:05:05
